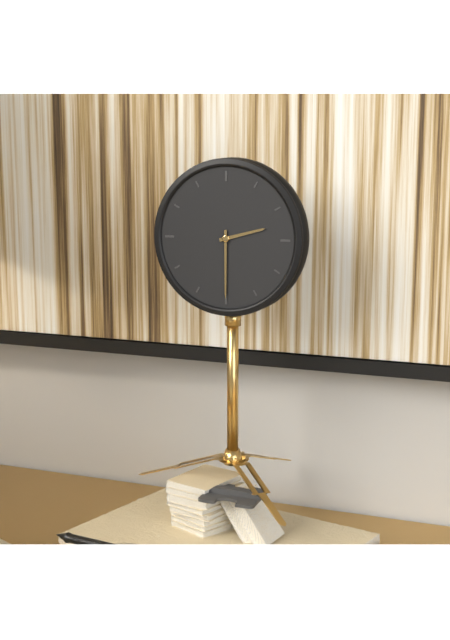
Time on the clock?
2:30
